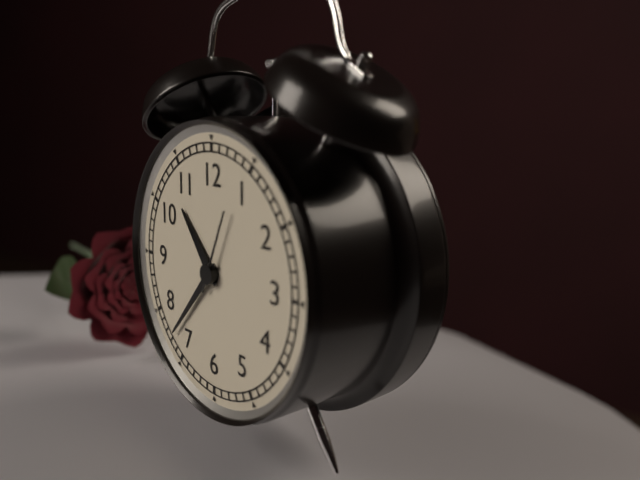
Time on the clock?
10:37:04
